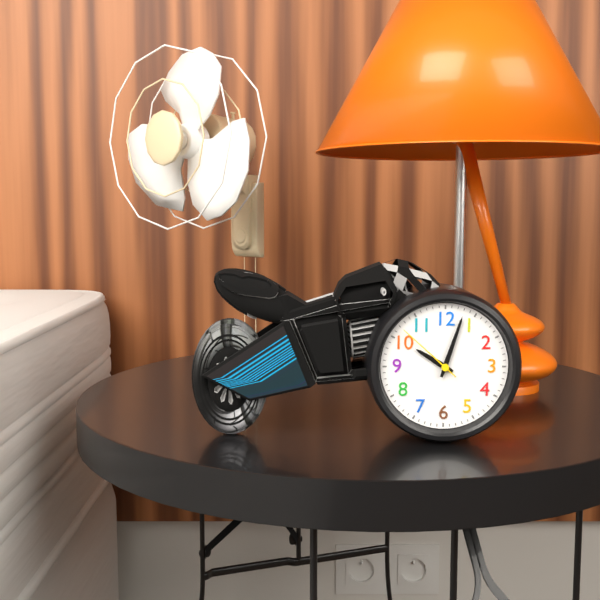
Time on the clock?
10:03:52
